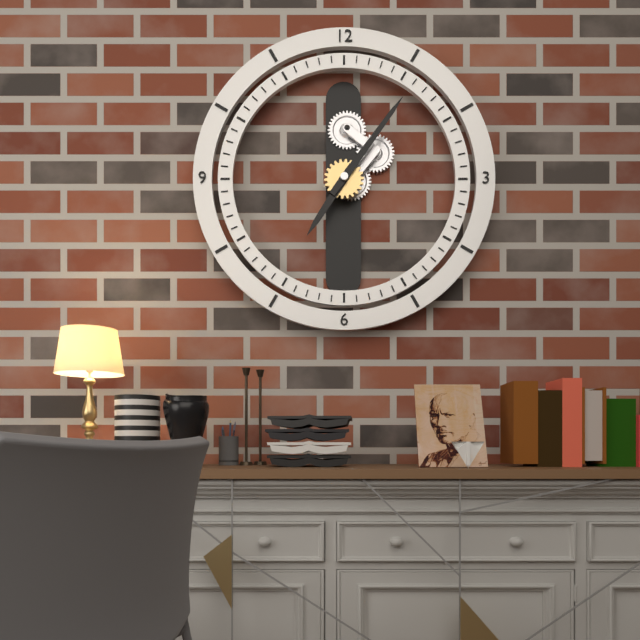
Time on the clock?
7:06
